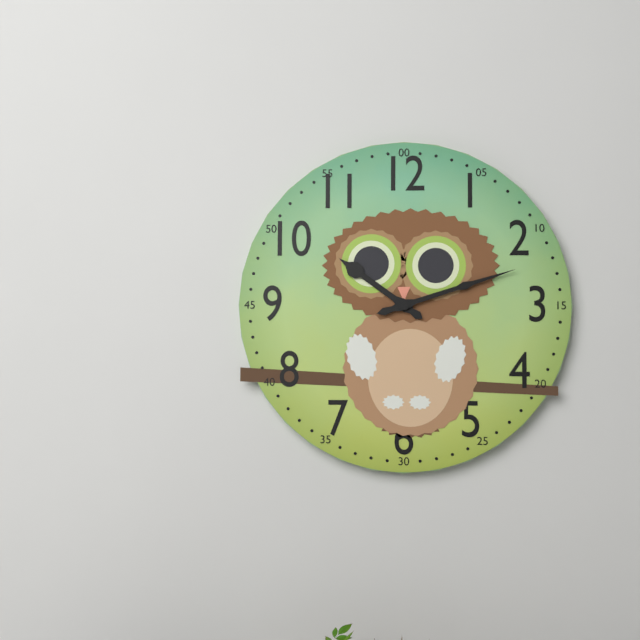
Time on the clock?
10:12
